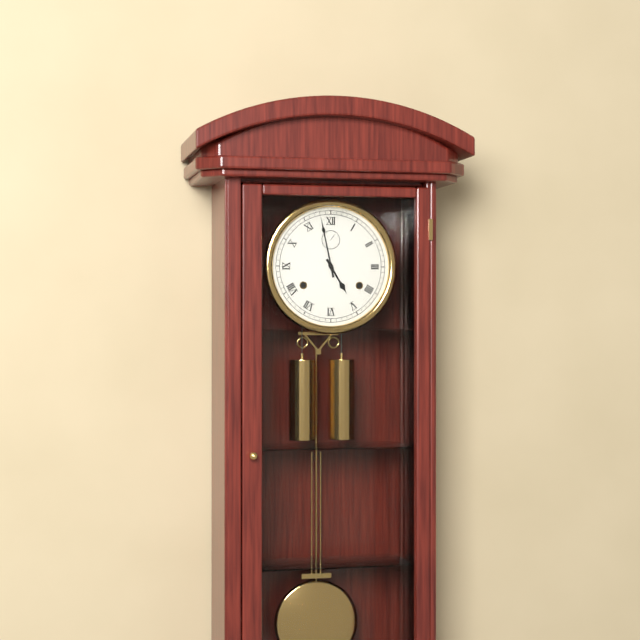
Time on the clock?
4:58
